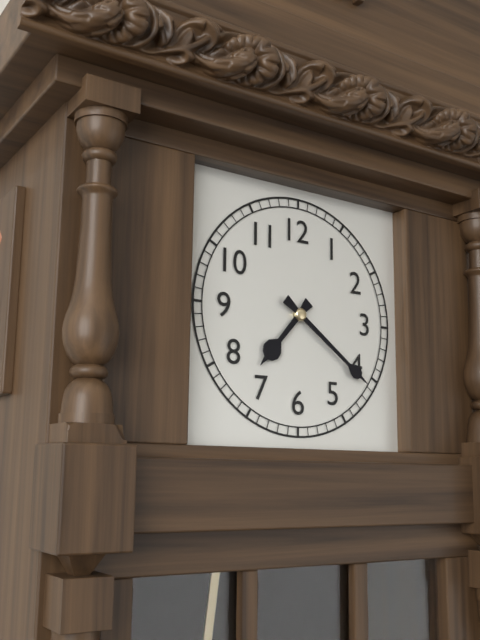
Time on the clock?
7:21
